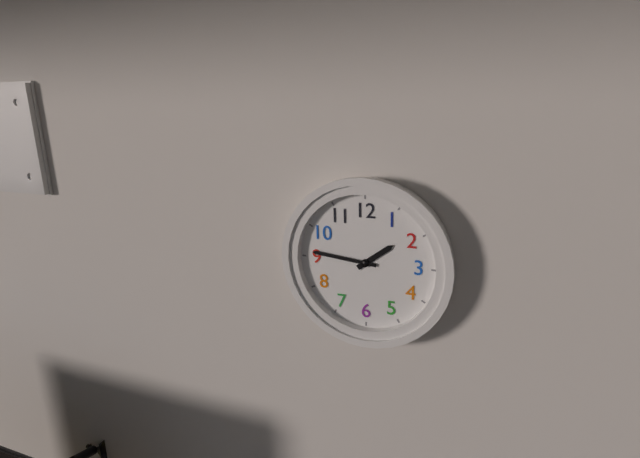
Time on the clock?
1:46
